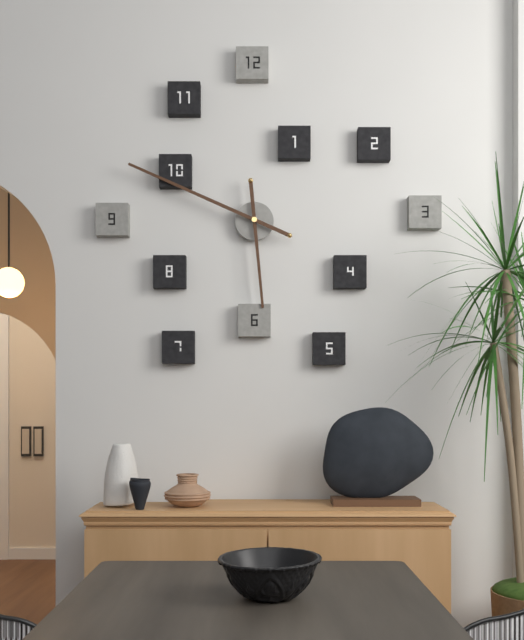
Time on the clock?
5:49
